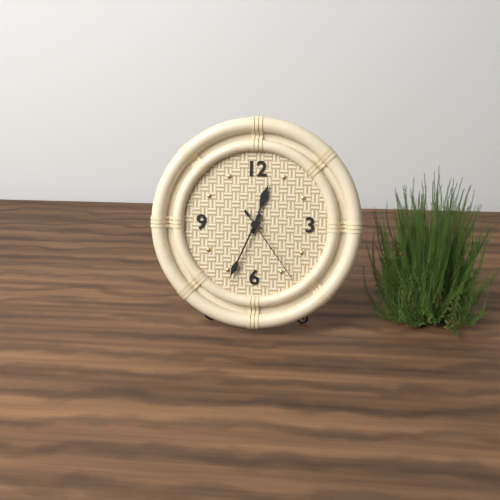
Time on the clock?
12:34:24
